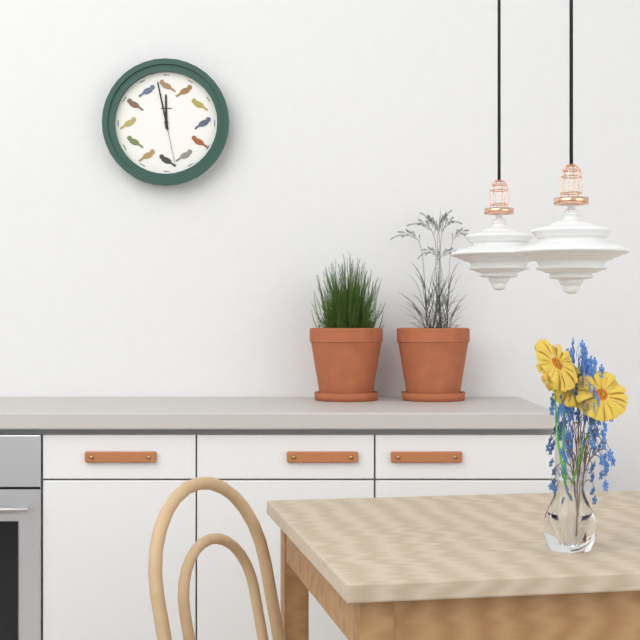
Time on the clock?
11:58:28
